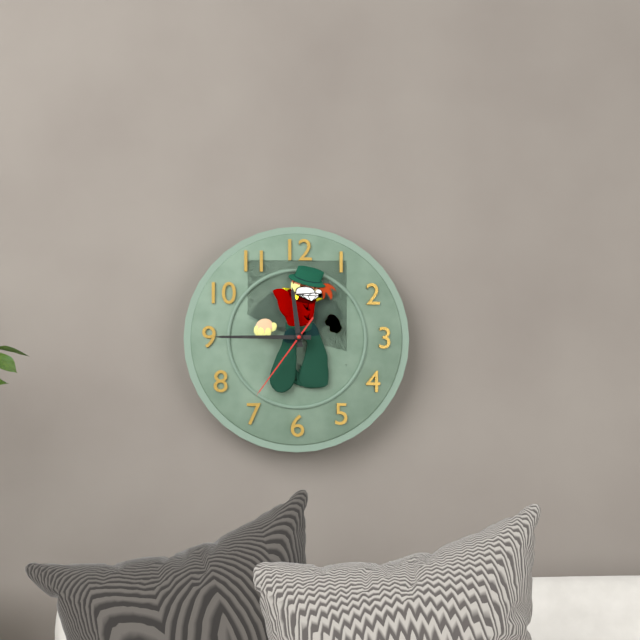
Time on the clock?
11:45:36
